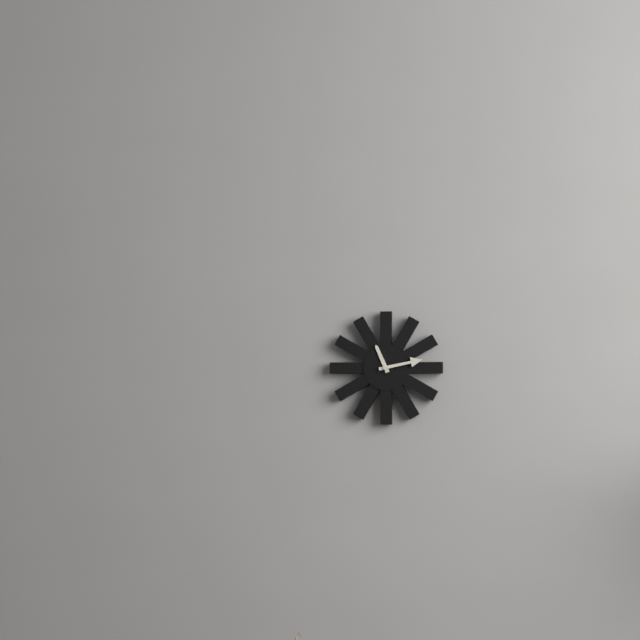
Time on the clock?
11:13
